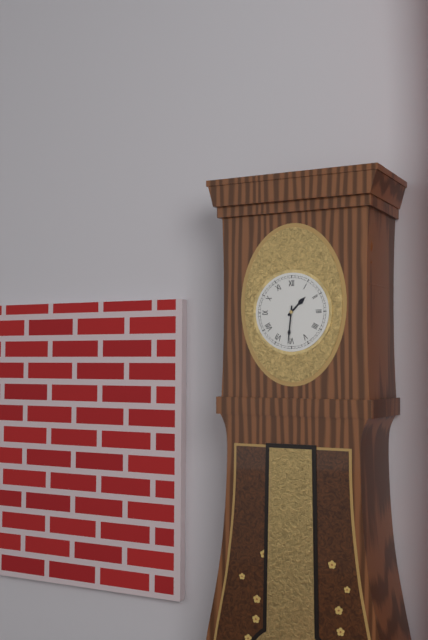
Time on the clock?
1:31
